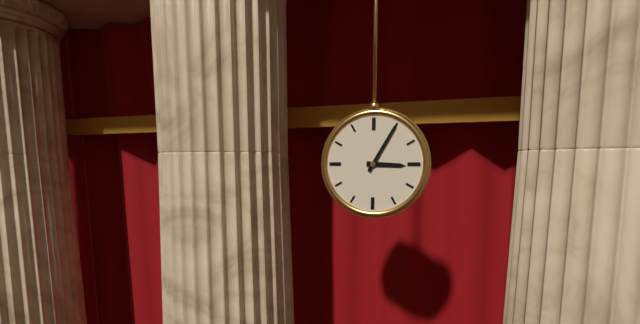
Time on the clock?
3:05
